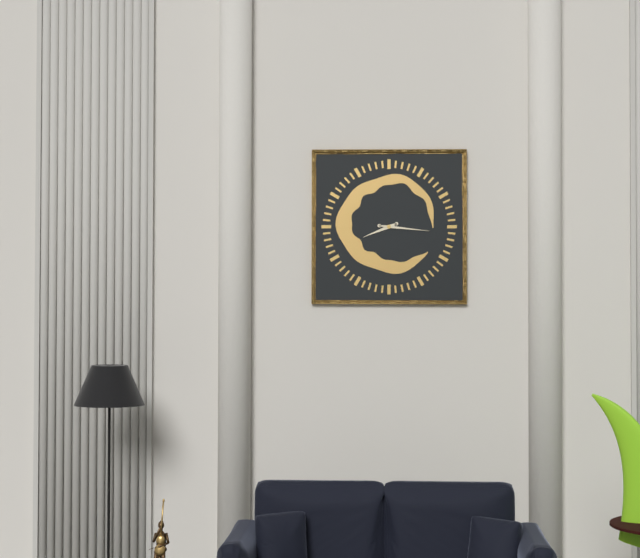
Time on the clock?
8:16
